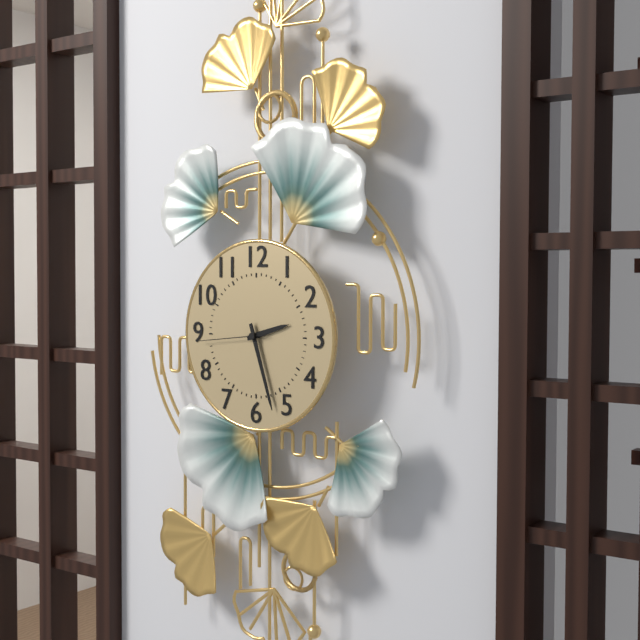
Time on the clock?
2:27:44
